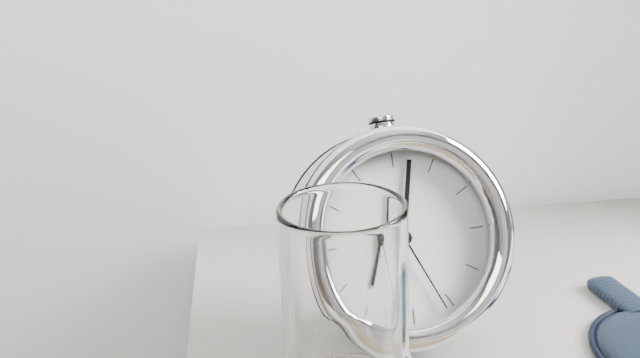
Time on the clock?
7:02:26
